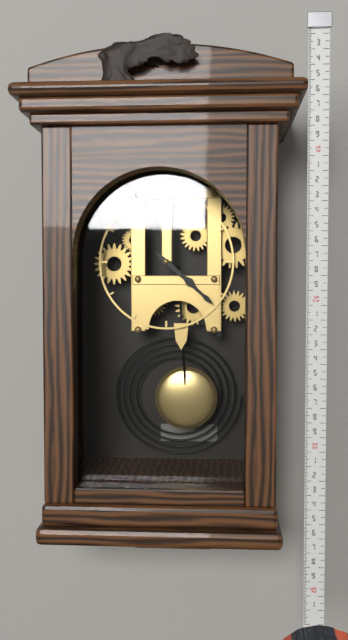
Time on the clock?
4:22
